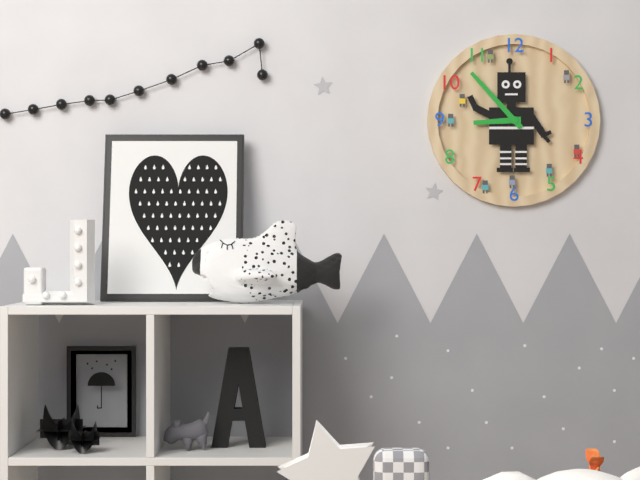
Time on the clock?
8:53
